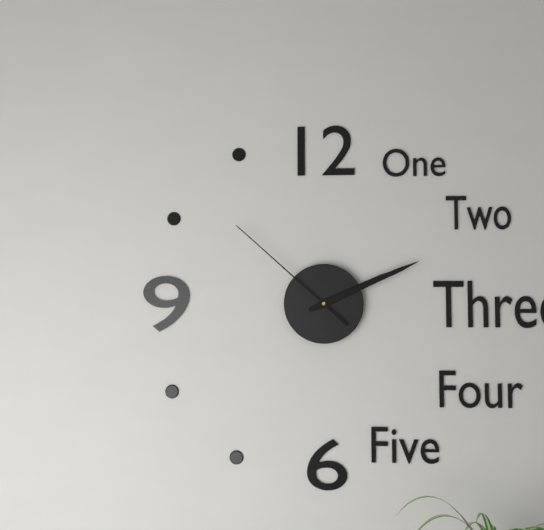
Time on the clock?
2:11:52
